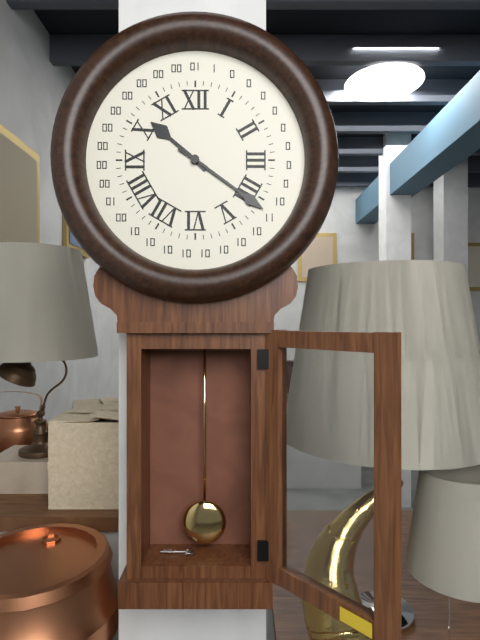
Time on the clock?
10:21
